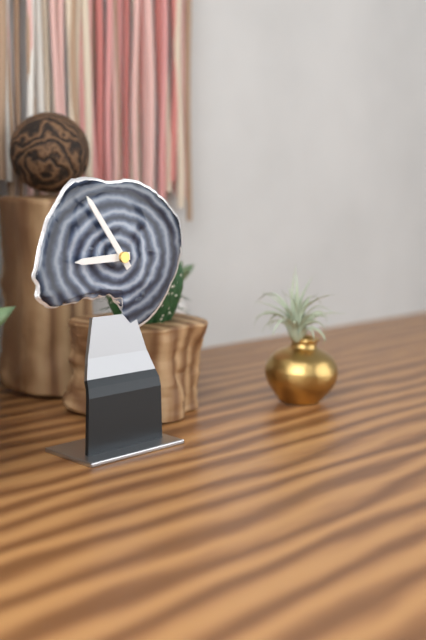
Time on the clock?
8:54
